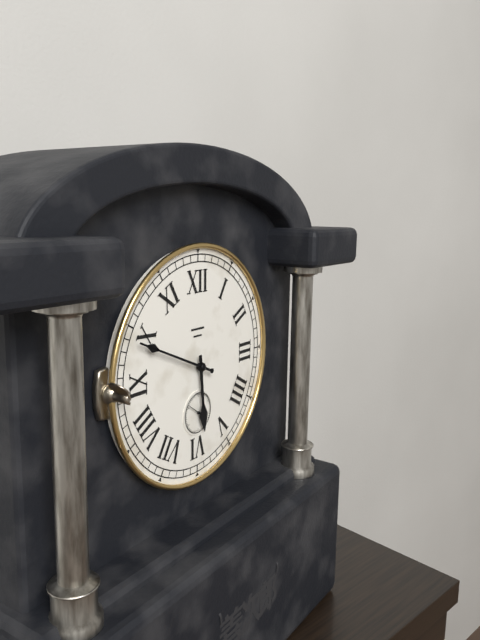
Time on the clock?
5:49
